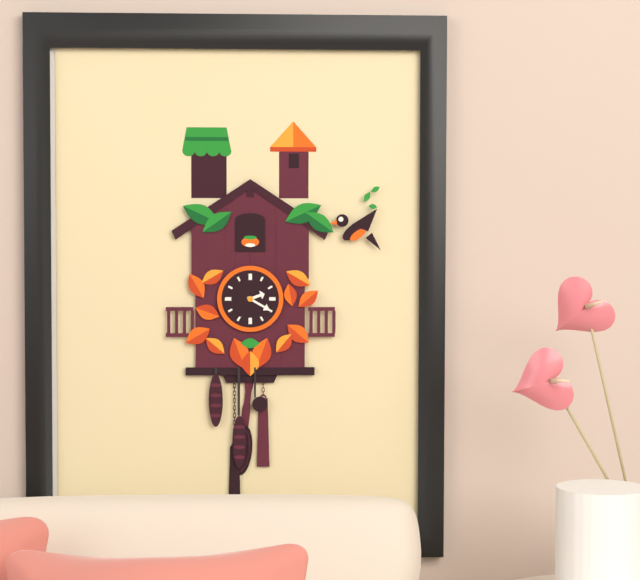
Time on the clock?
2:20
